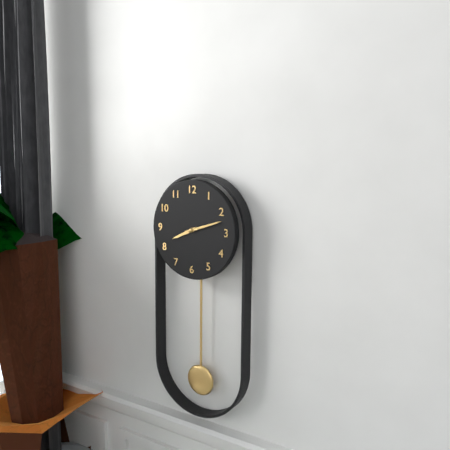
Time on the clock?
8:12
